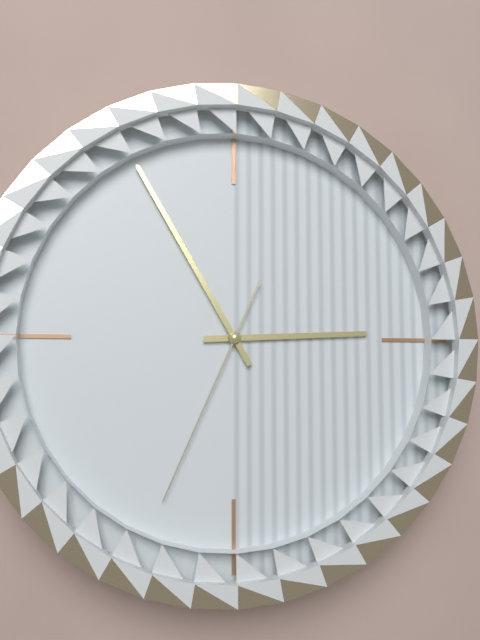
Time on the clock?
2:55:34
